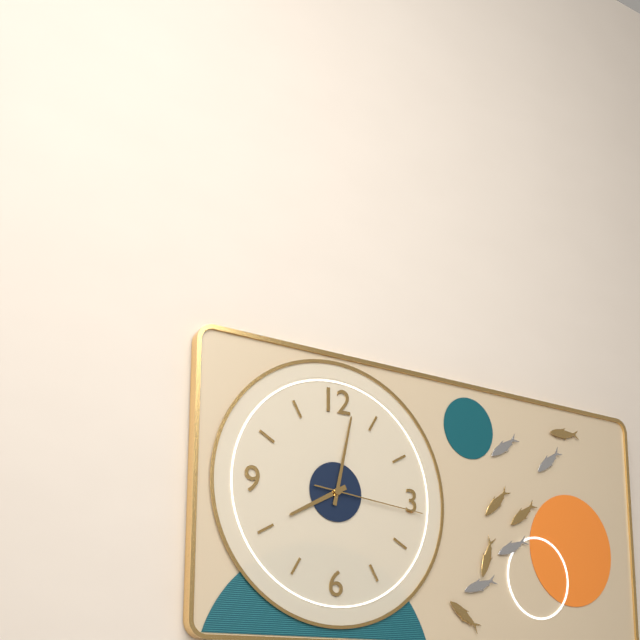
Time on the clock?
8:02:16
